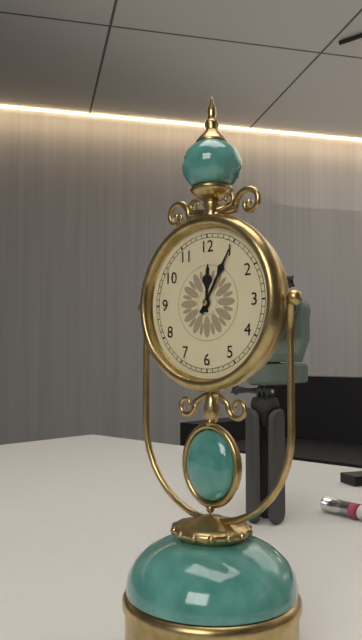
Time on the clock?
12:05
